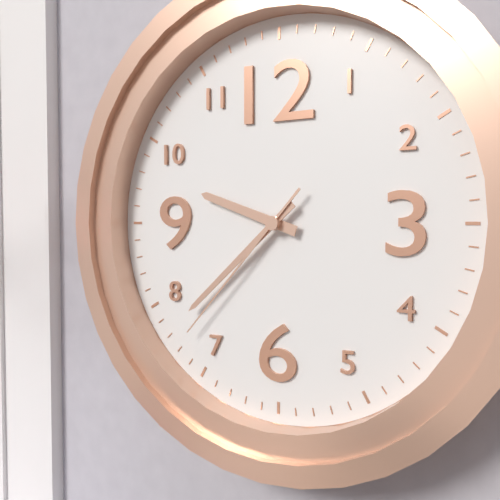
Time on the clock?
9:38:37
